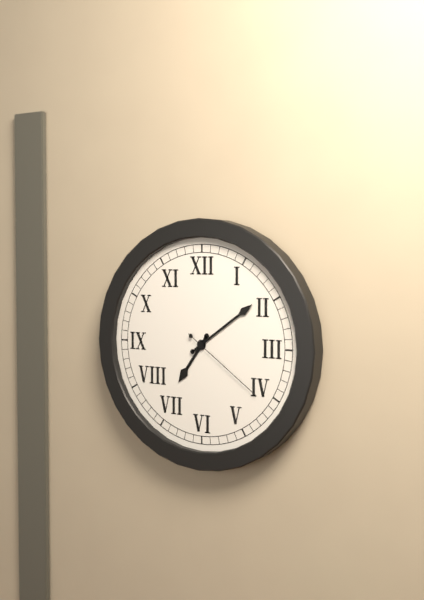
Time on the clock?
7:09:21
